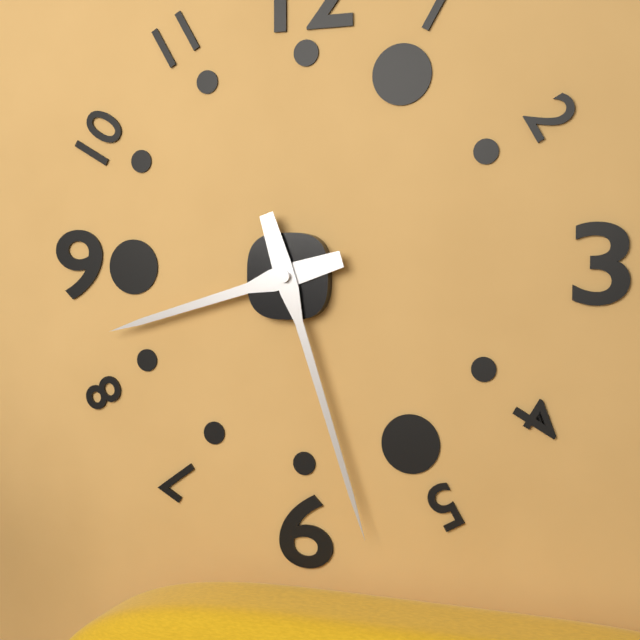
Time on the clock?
8:27
